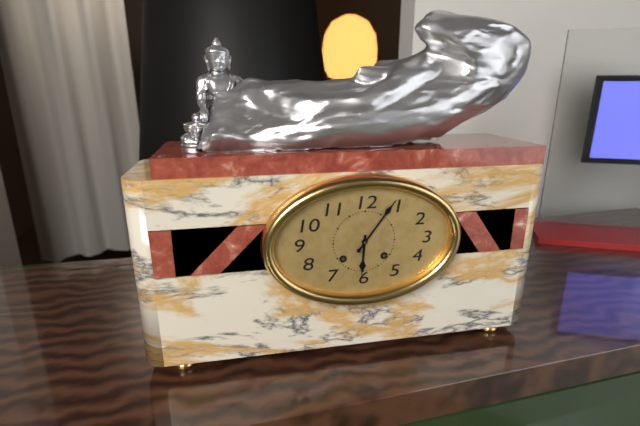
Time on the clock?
6:06
